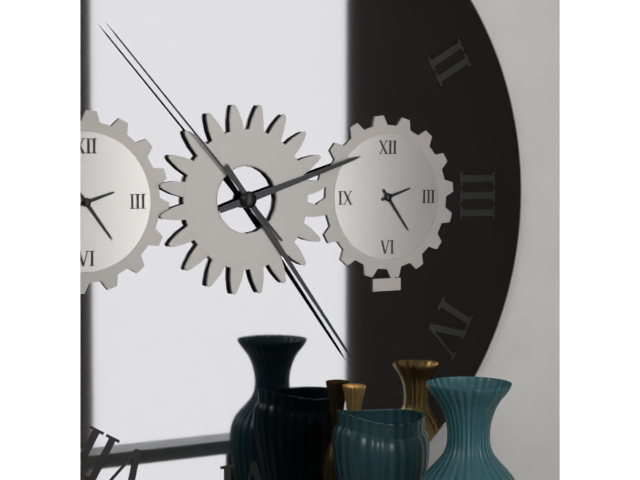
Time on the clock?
2:24:53
